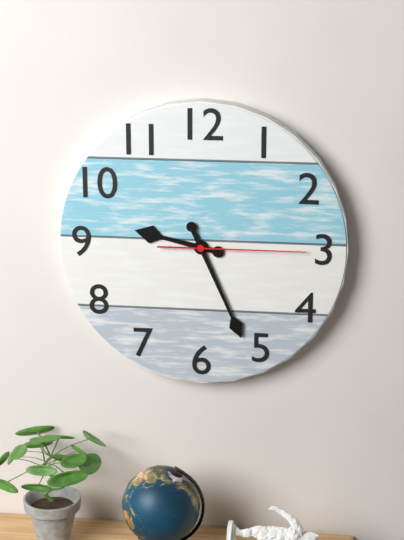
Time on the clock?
9:26:15
